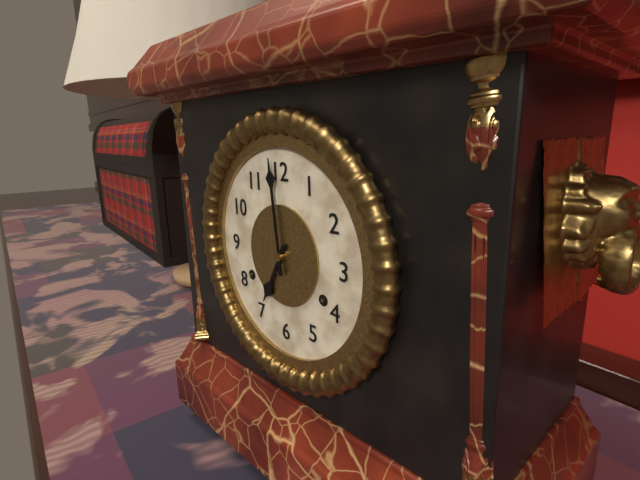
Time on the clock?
6:59
